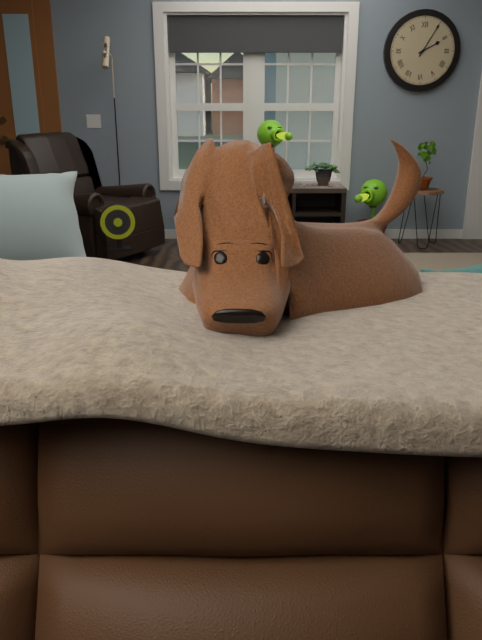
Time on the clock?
2:05
